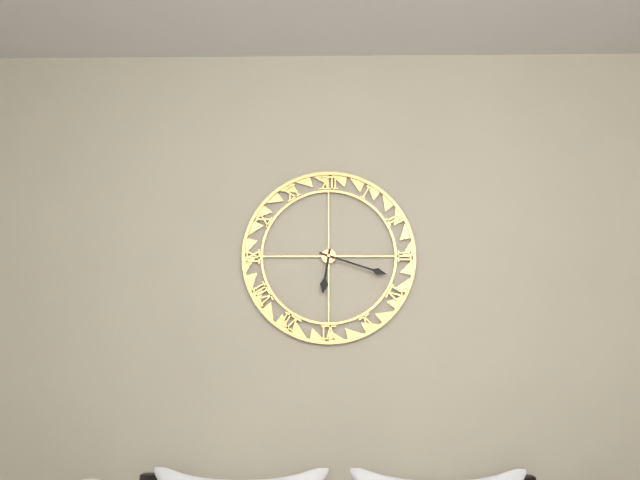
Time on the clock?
6:18
